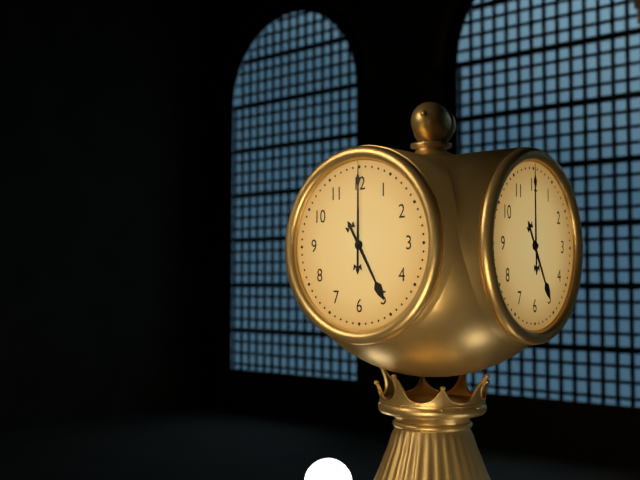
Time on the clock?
5:00
